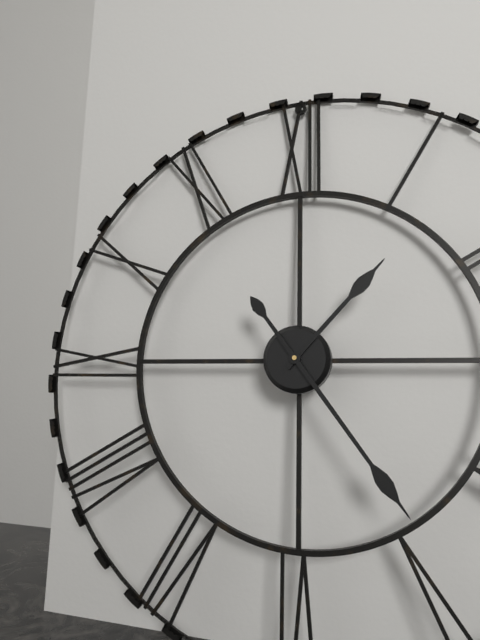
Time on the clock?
1:24
